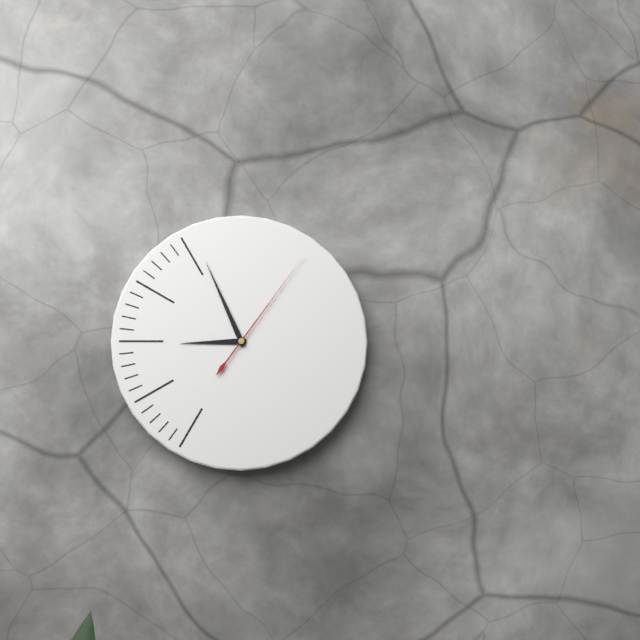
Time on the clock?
8:56:06
